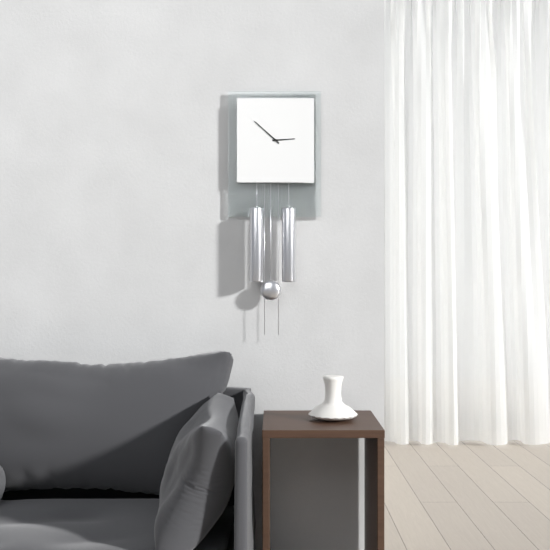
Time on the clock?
2:52
